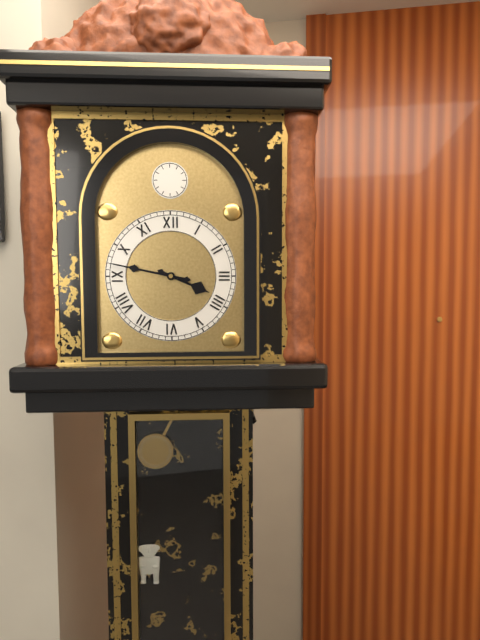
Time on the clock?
3:47
